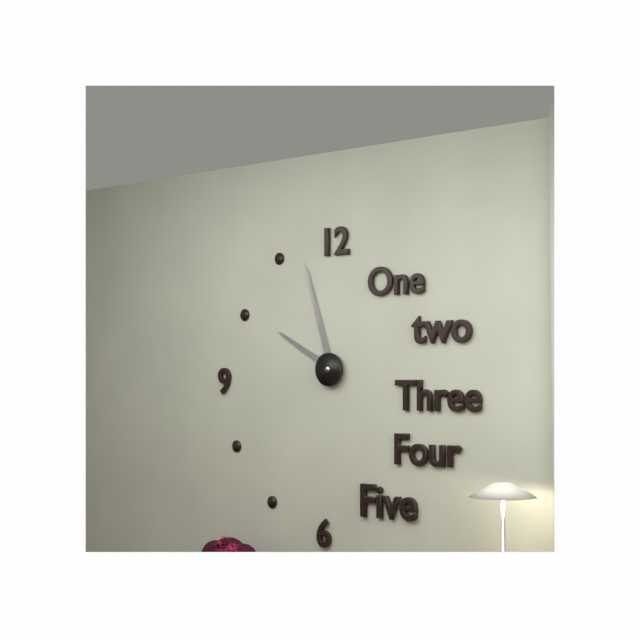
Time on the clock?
9:57
